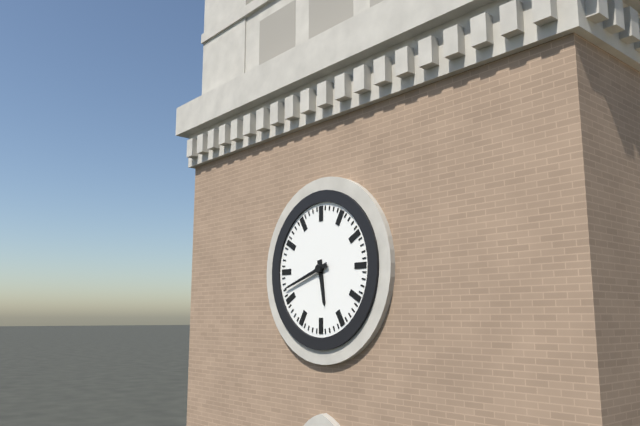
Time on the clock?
5:42
